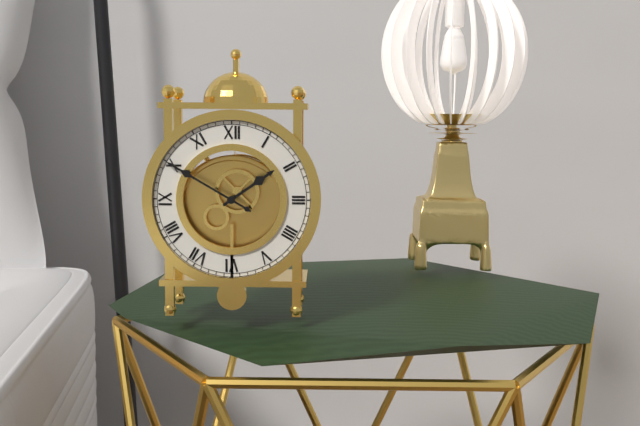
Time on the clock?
1:50
